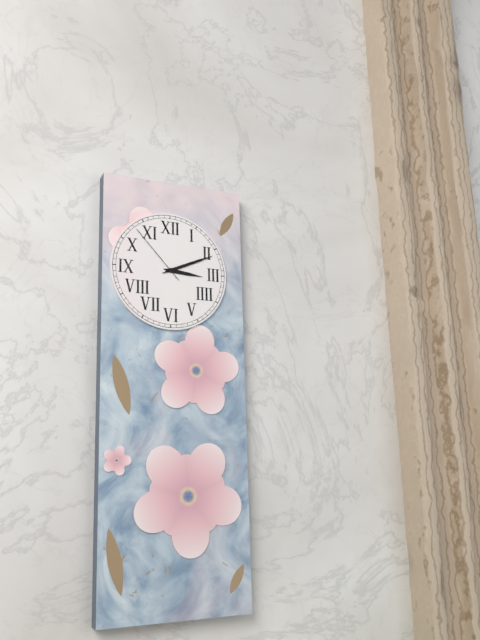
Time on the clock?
3:11:53
